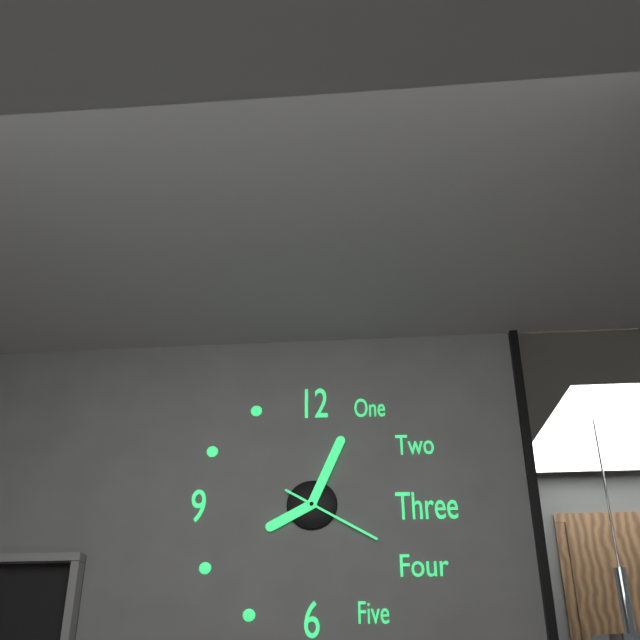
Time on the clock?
8:04:20
